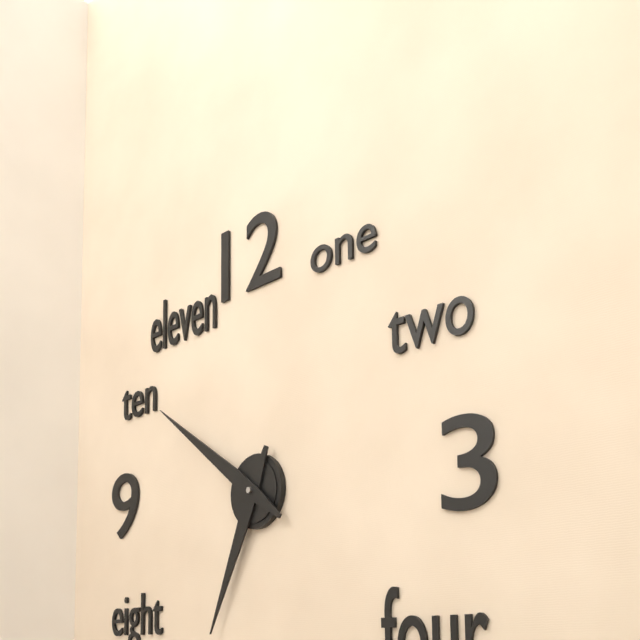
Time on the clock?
6:51
